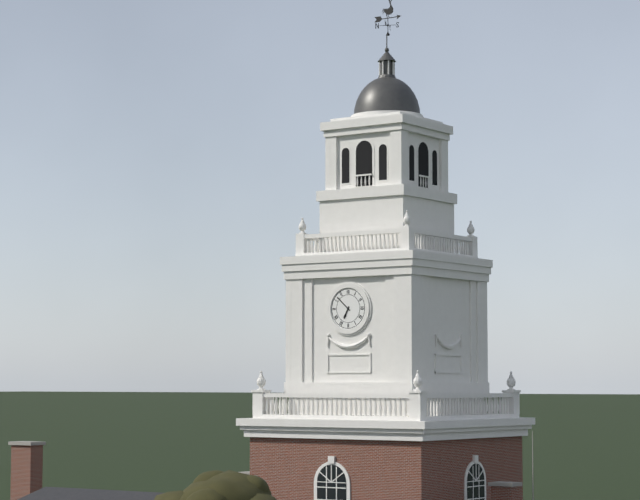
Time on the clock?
6:52
